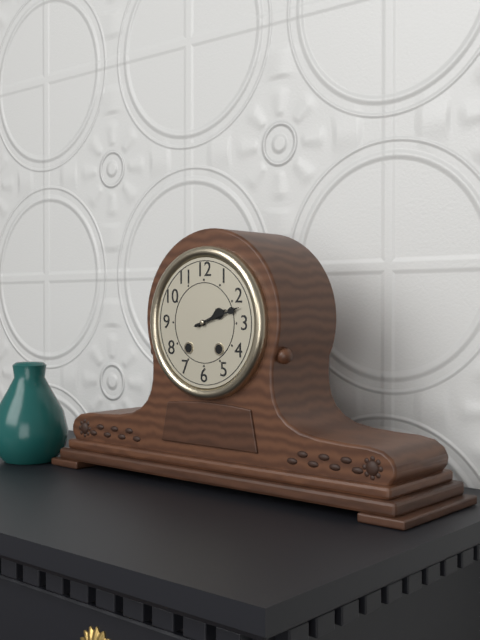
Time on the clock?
2:12
